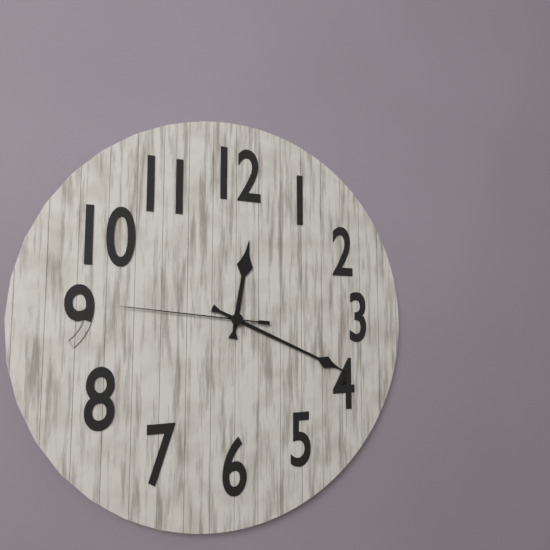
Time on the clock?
12:19:46
